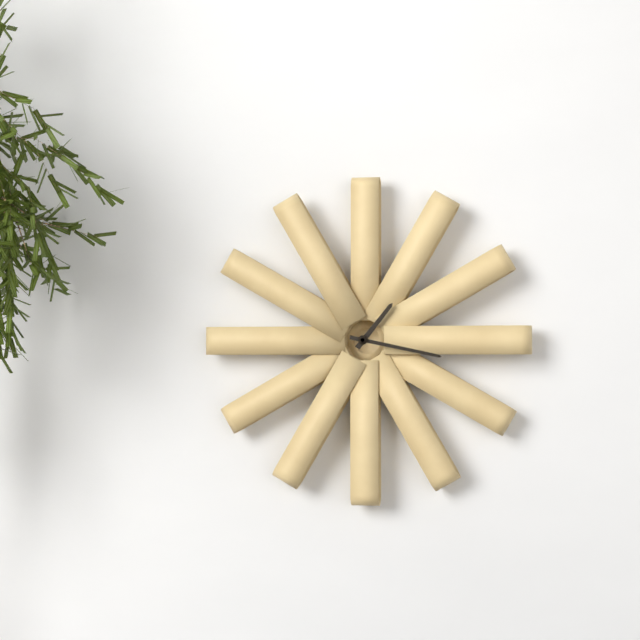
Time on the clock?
1:17
